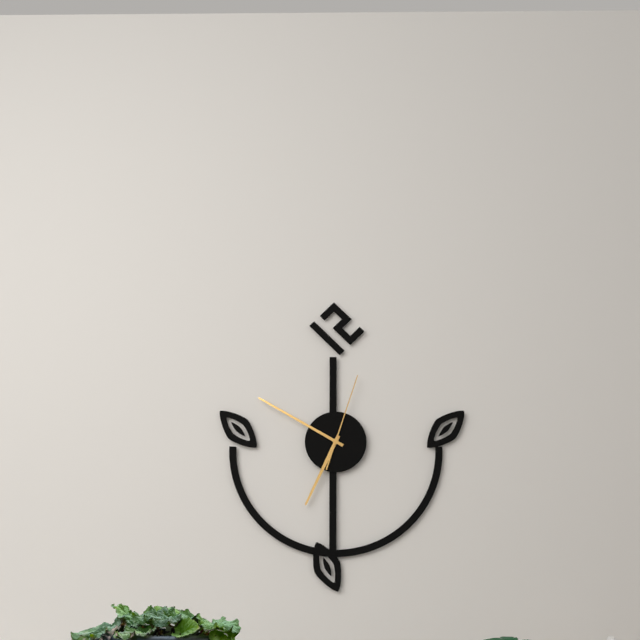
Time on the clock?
6:50:03
